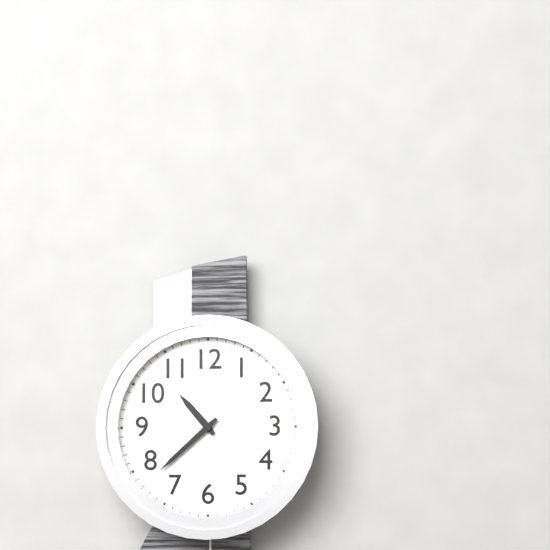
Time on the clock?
10:38
